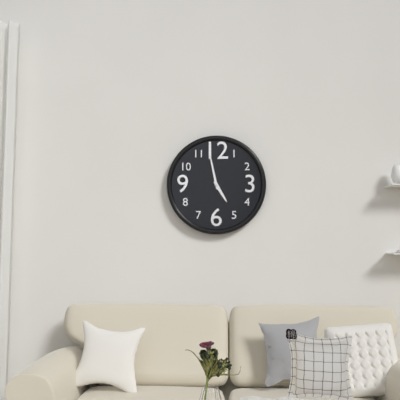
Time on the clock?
4:58
